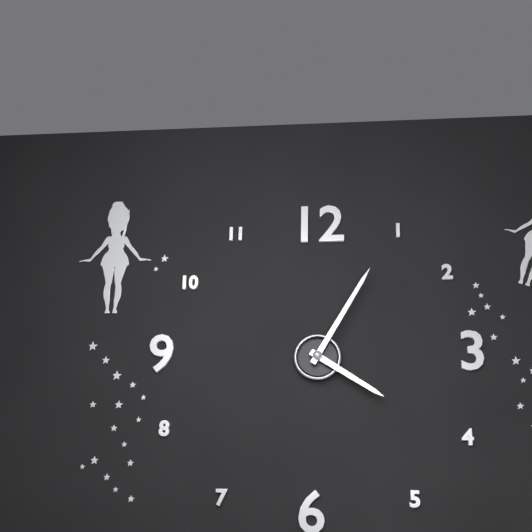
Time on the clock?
4:05
